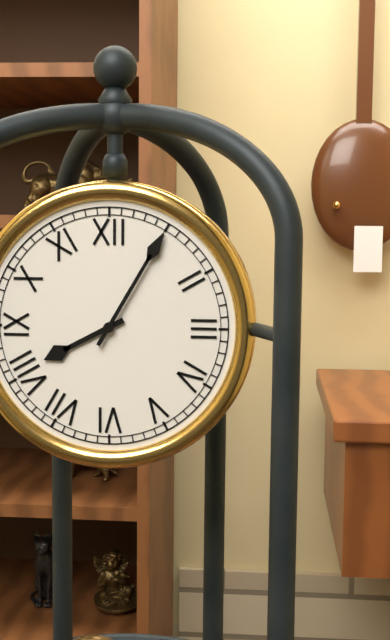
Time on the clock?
8:05
